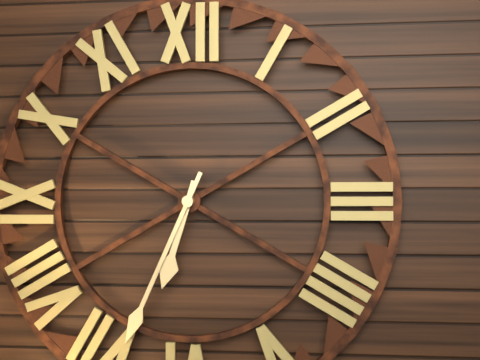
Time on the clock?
6:34
